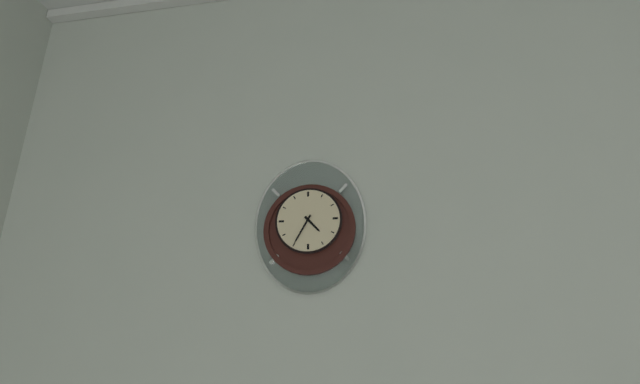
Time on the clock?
4:35
